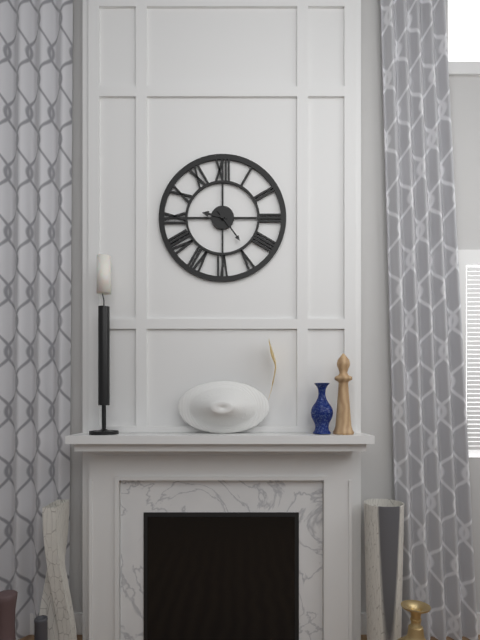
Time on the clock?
9:24
